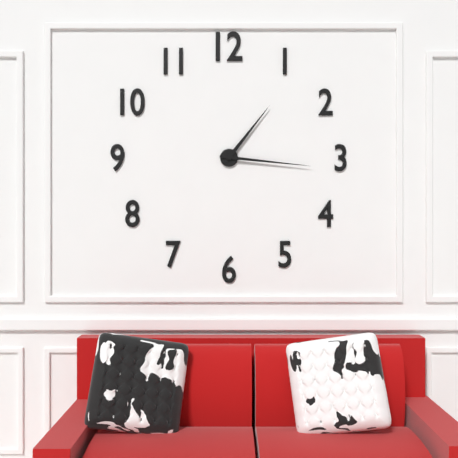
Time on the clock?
1:16
